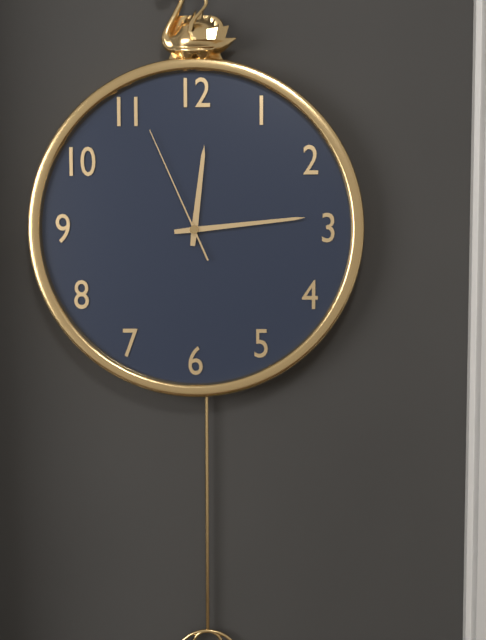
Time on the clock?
12:14:56
